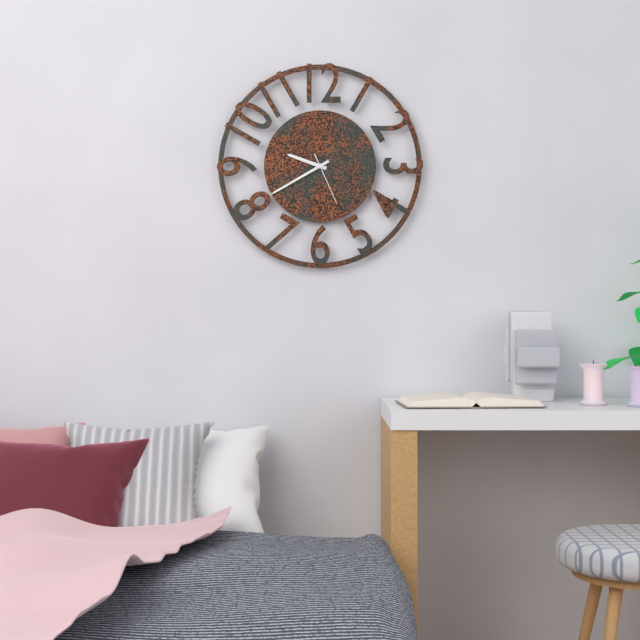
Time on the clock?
9:40:26
